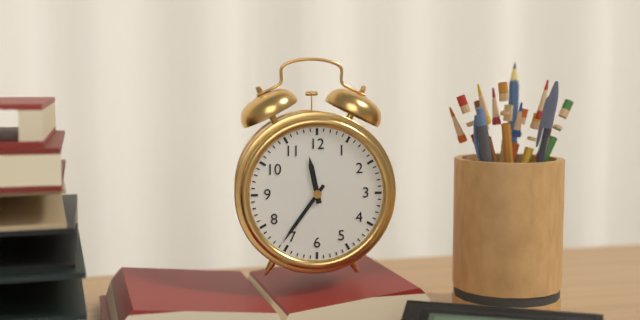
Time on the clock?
11:36
